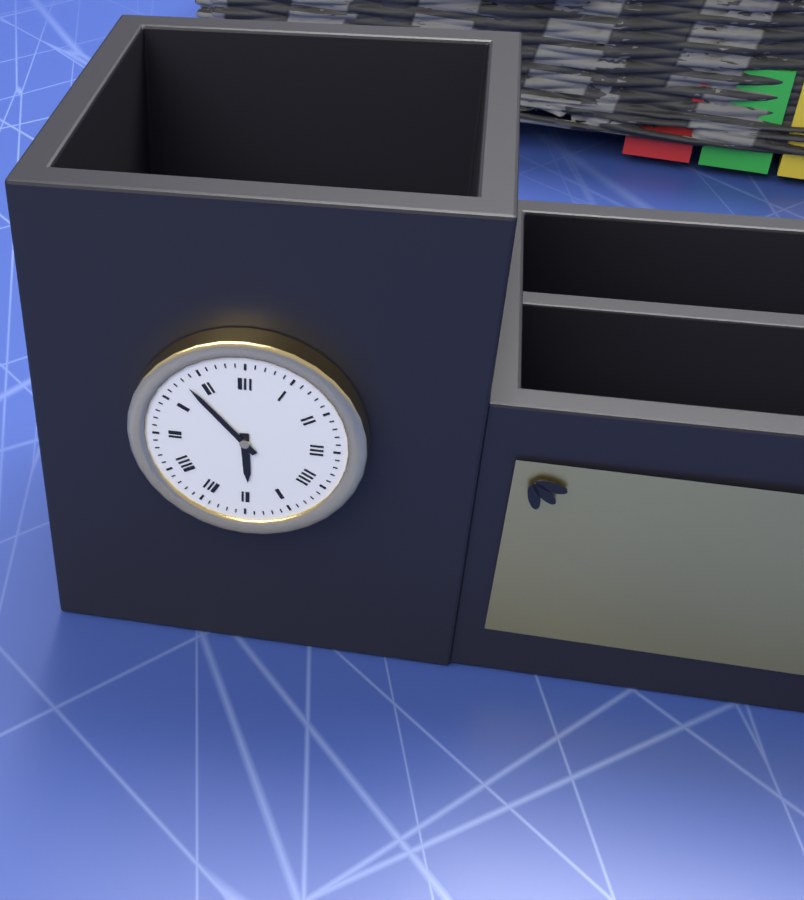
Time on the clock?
5:53
